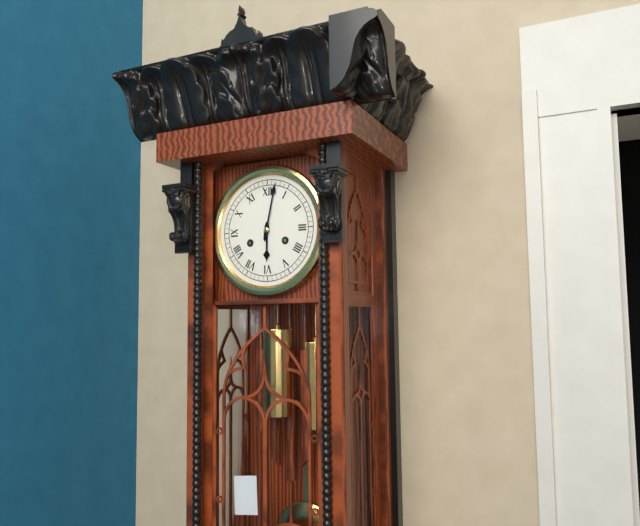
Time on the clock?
6:02
